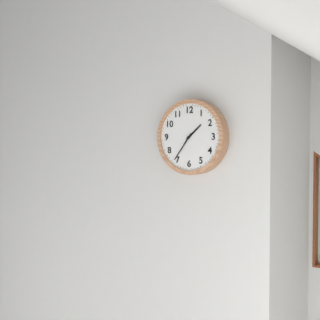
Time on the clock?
1:36
